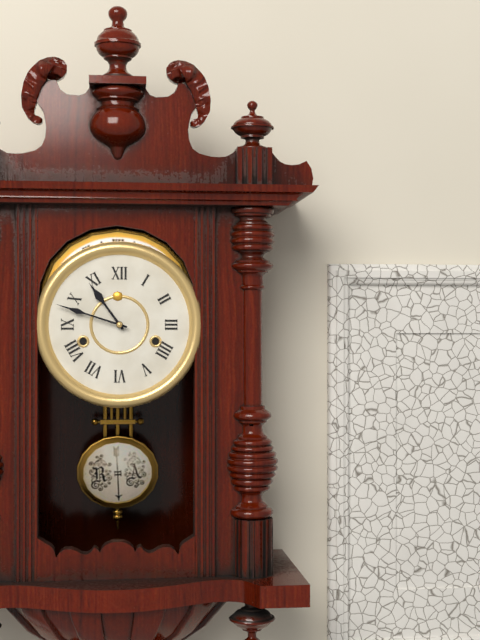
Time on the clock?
10:48
